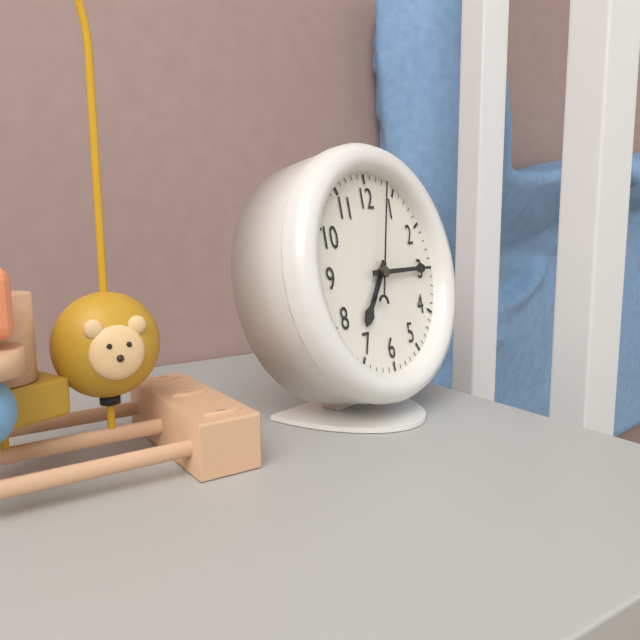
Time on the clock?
7:15:03
